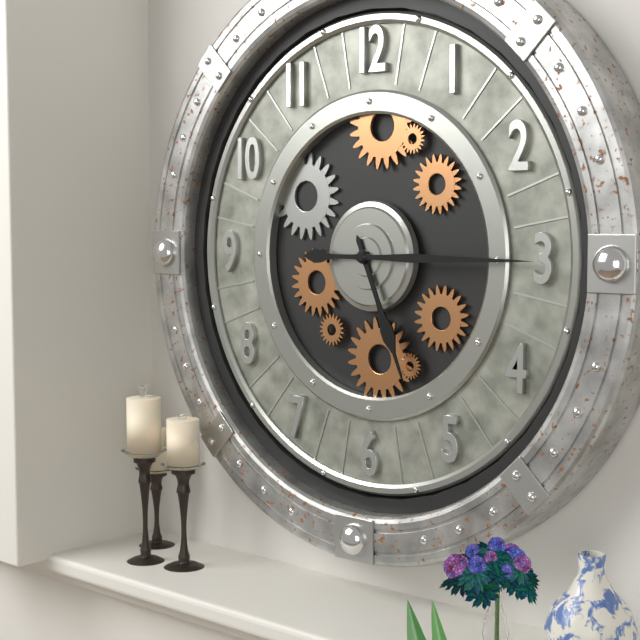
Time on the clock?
5:15
